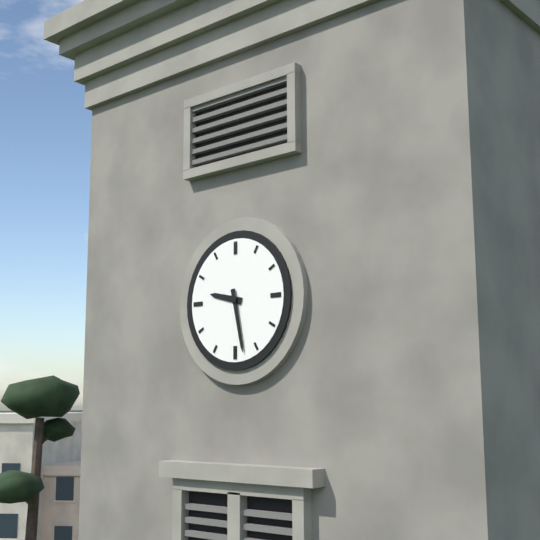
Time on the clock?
9:28
